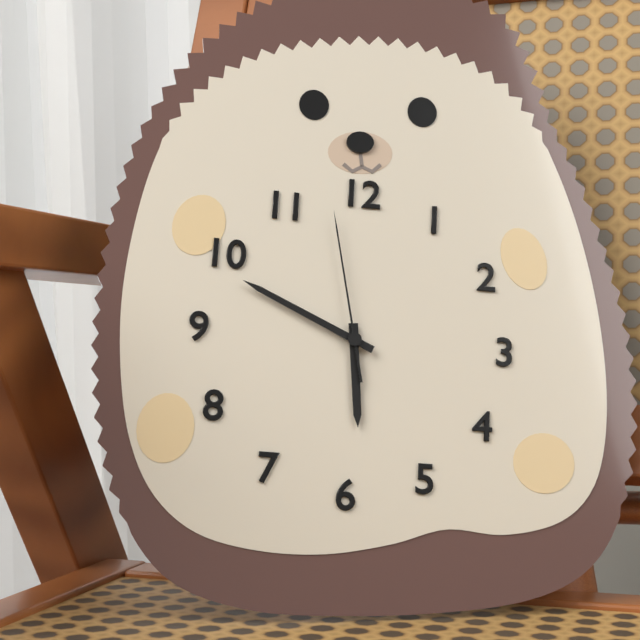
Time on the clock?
5:49:58
